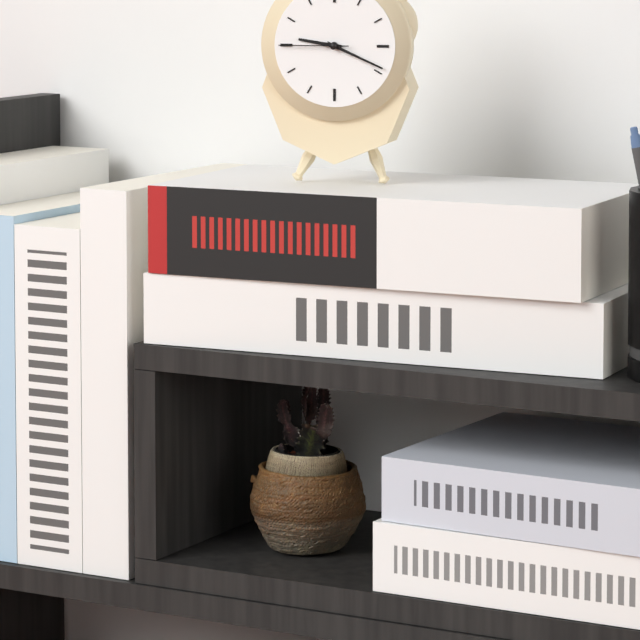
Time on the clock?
9:19:45
